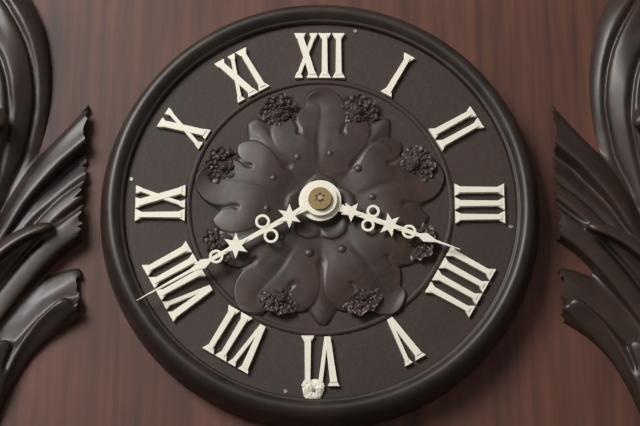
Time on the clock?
3:40
